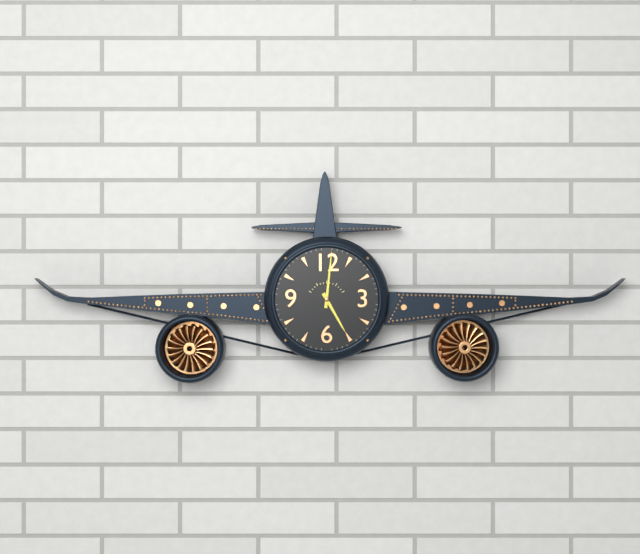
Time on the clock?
5:01
